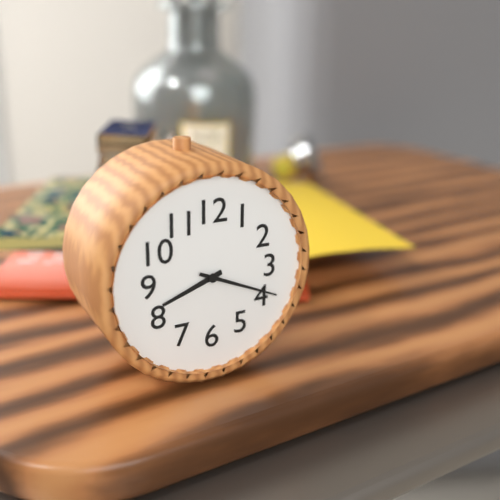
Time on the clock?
8:19
